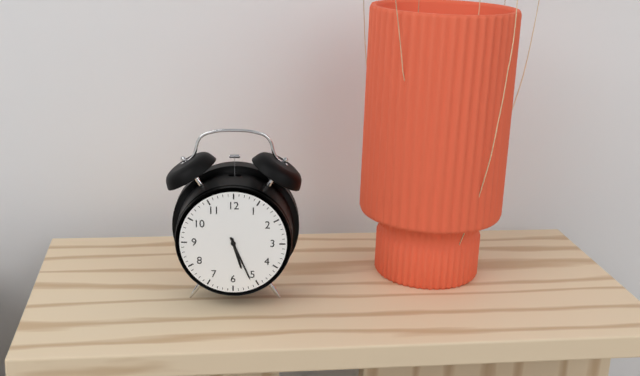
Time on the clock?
5:26
